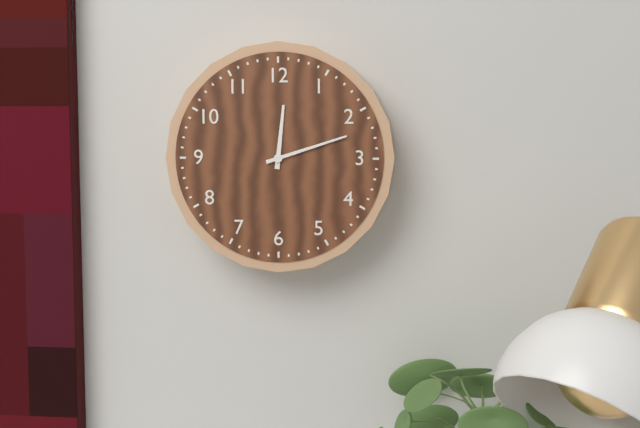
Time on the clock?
12:12
